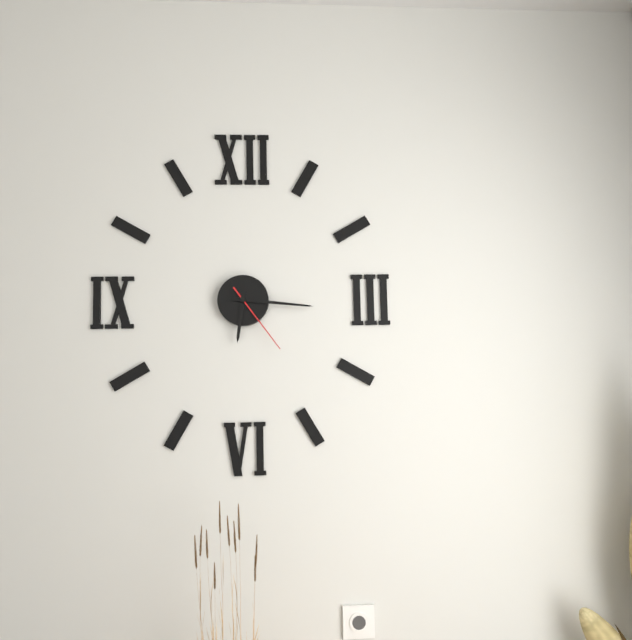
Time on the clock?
6:16:24
